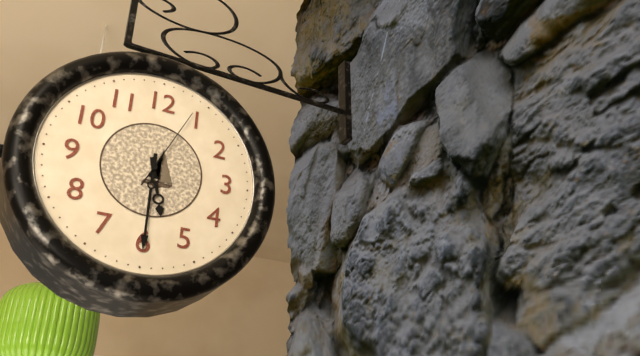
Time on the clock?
5:30:04
